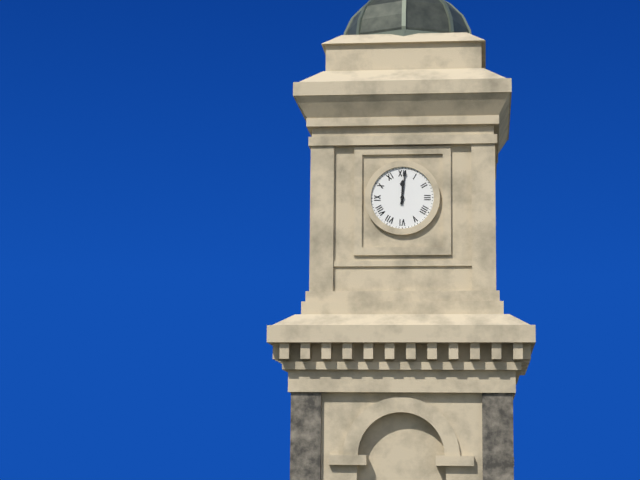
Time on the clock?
12:01
